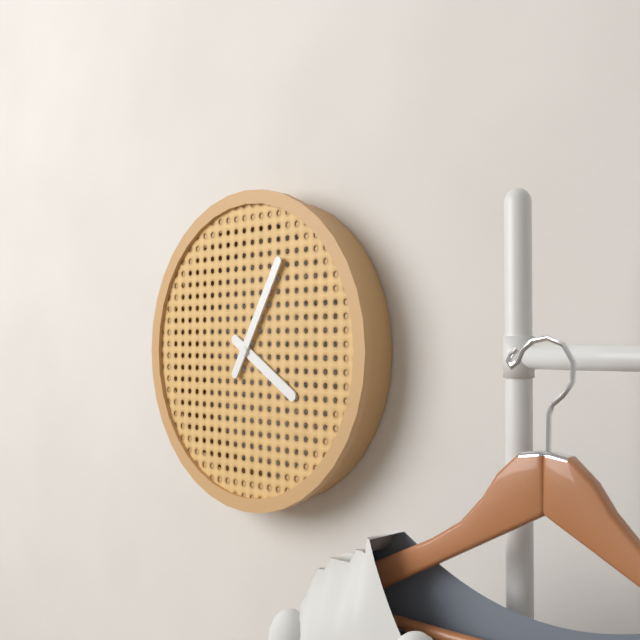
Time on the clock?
4:05
